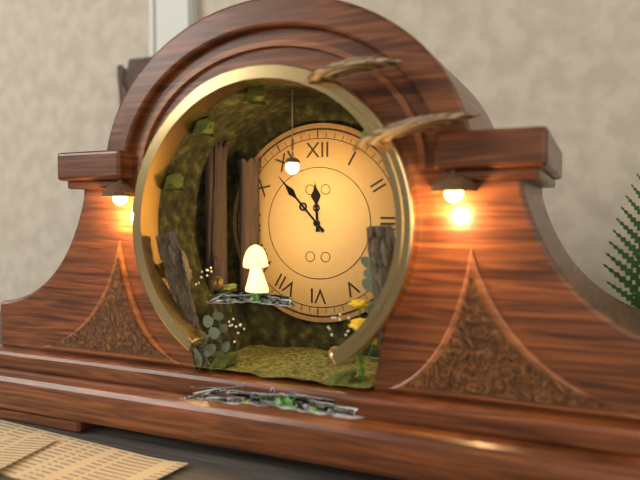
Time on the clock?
11:53
